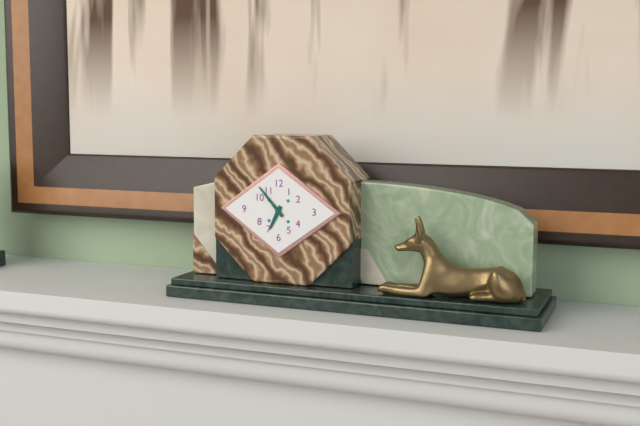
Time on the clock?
6:53
